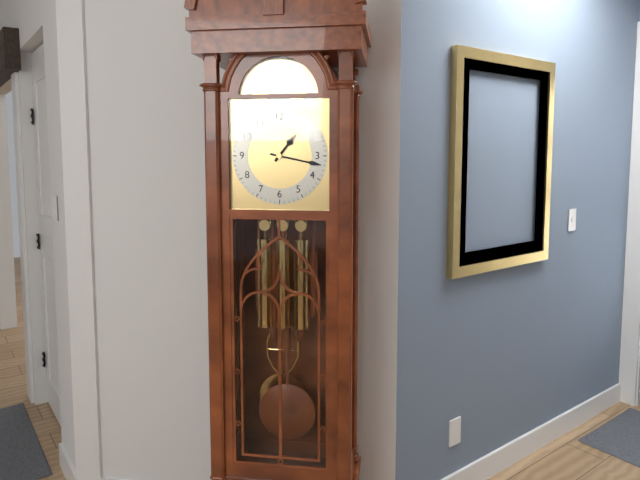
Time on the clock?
1:17
